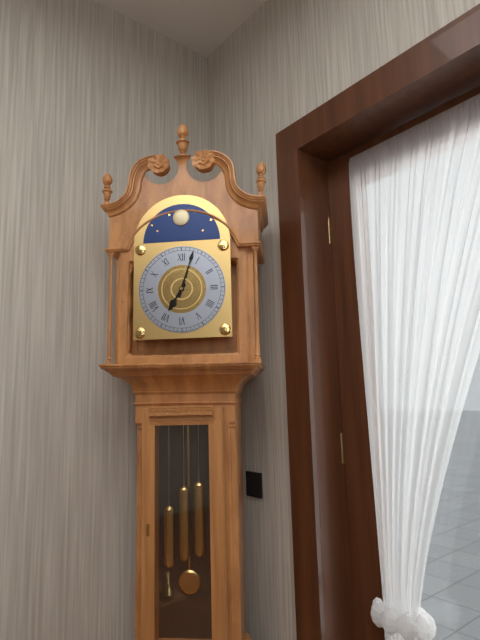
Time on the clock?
7:03
